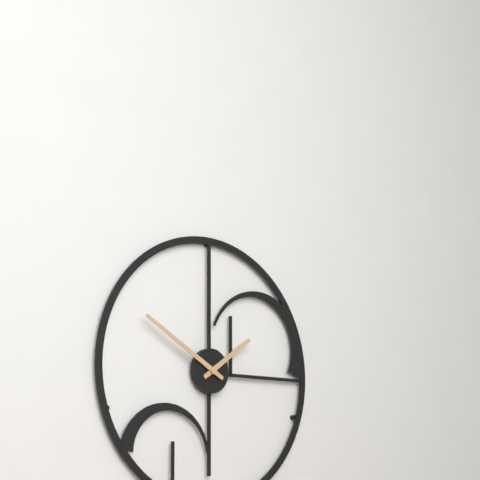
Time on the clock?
1:50
